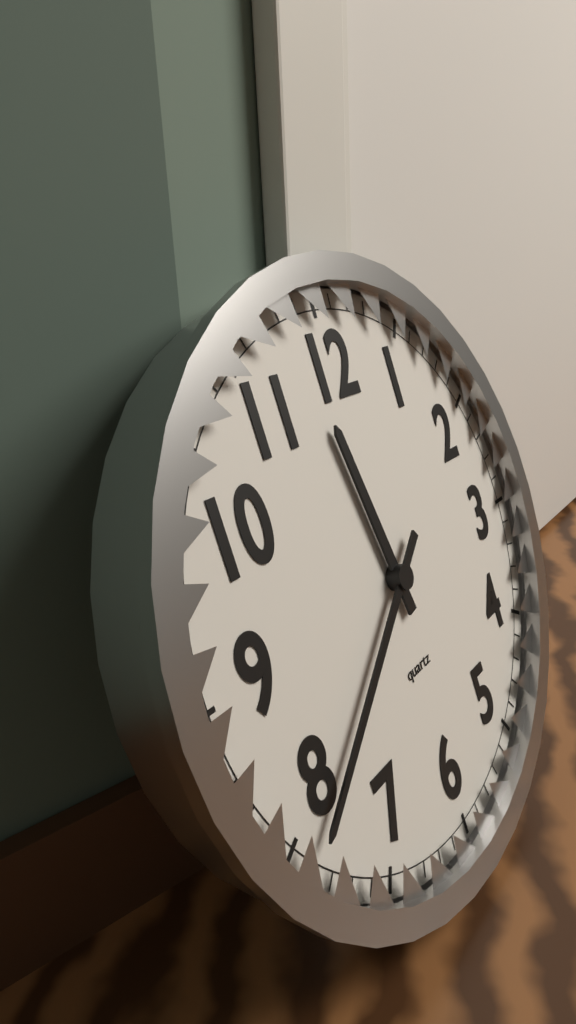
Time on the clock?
11:39
